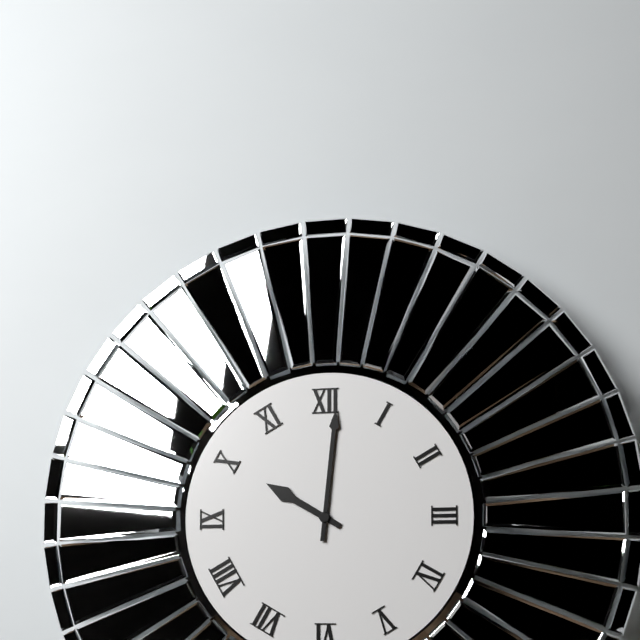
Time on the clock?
10:01
